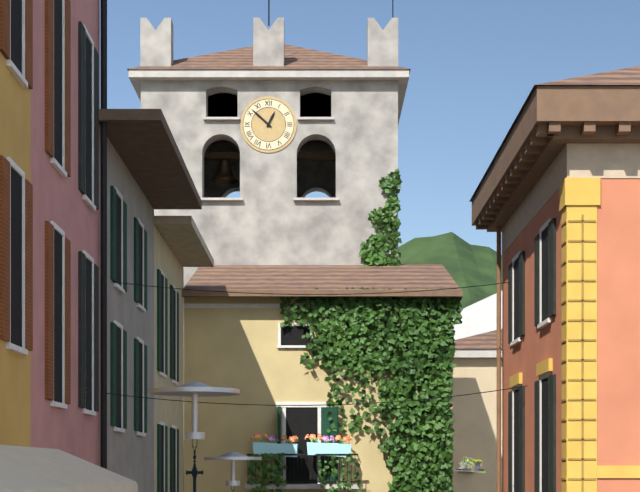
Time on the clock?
12:52
